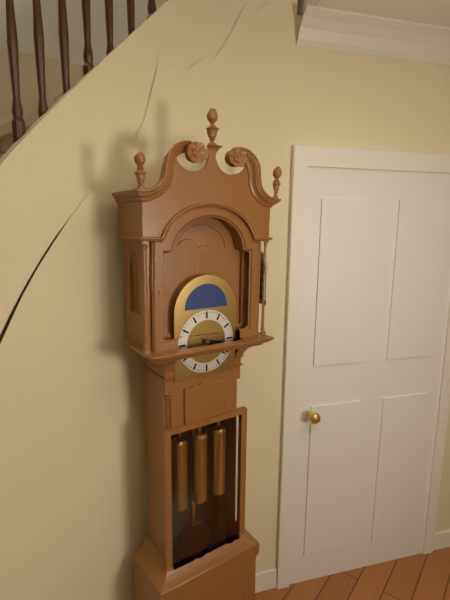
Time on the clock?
3:21
